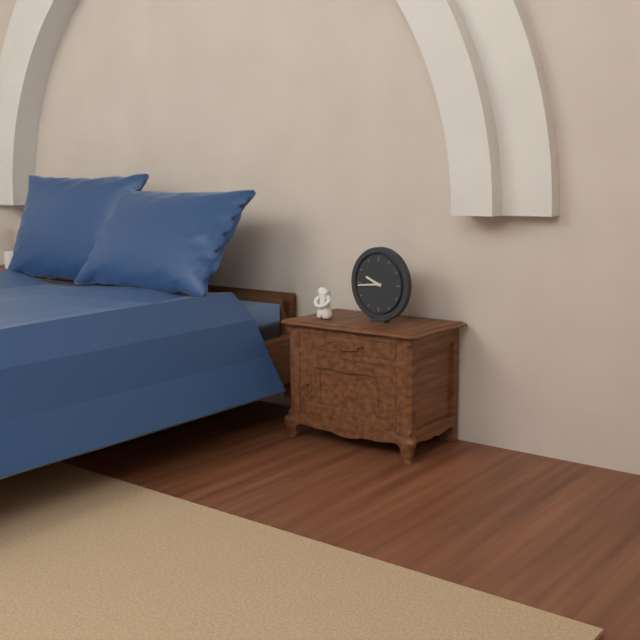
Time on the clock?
9:44
